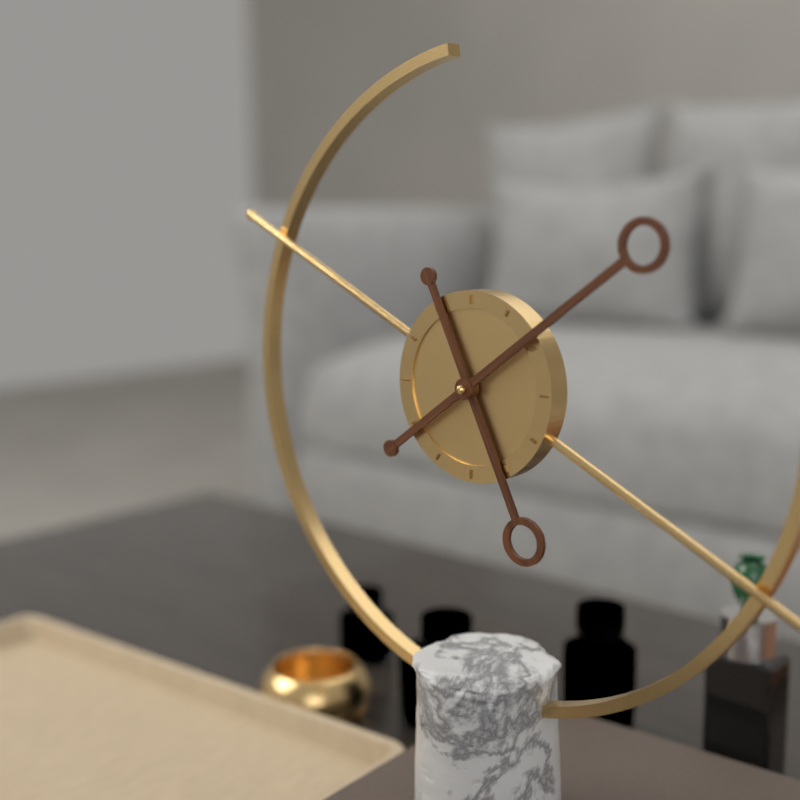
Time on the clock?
5:09
